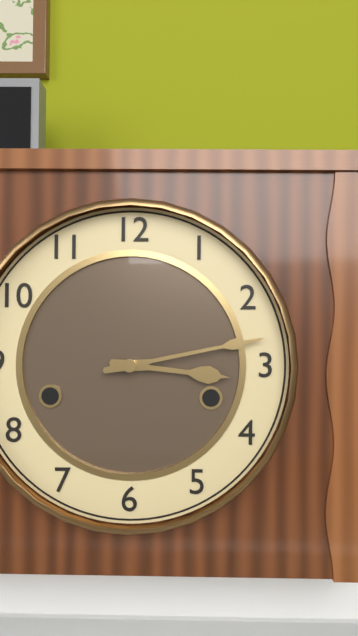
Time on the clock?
3:13
